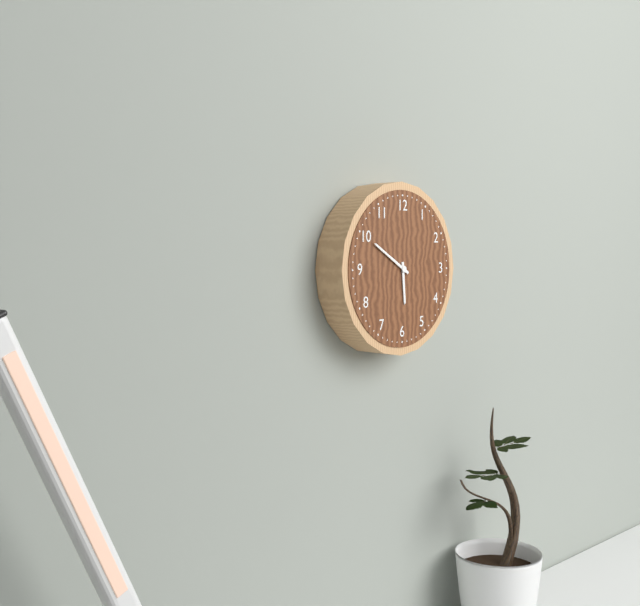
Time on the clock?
5:50
